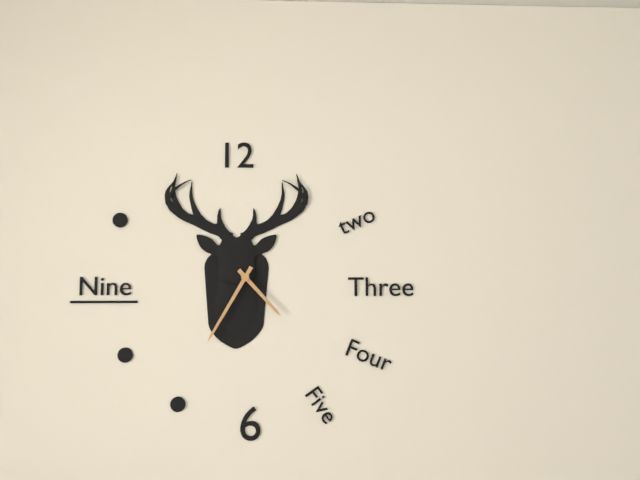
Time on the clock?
4:35
